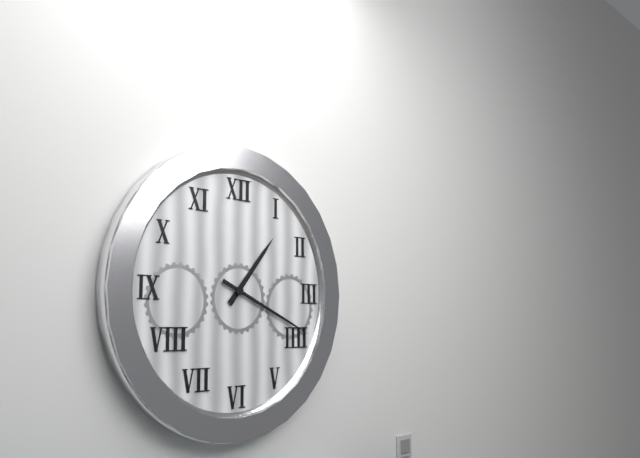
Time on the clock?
1:19
